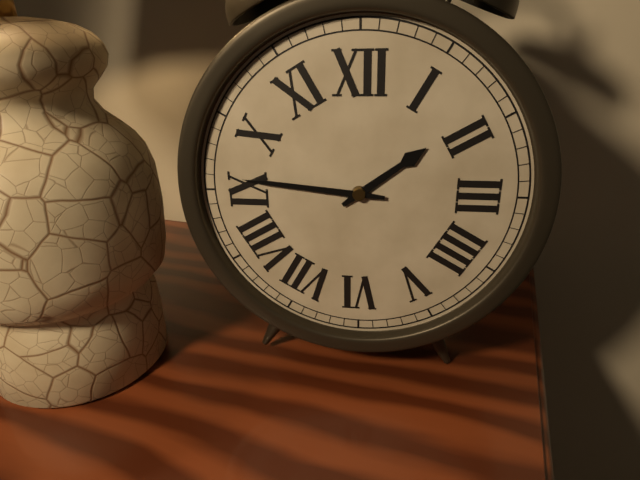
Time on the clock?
1:46
